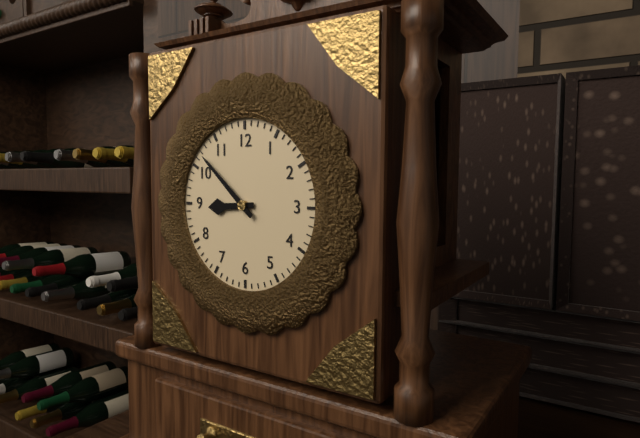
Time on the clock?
8:52
